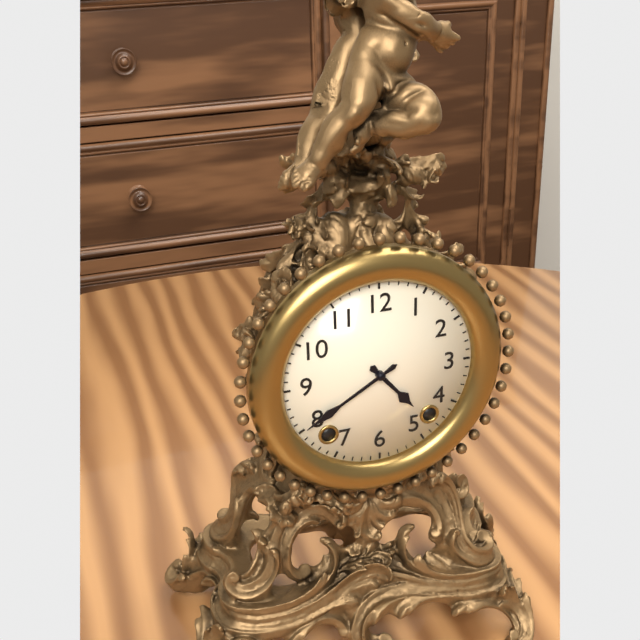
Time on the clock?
4:40
